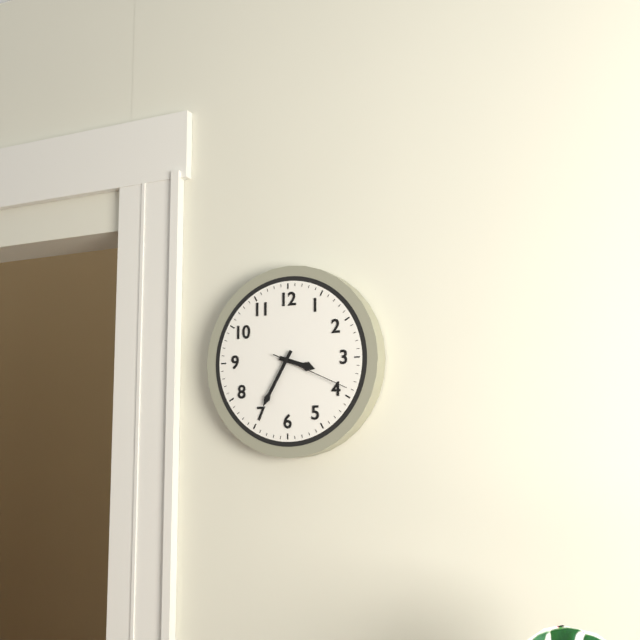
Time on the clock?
3:35:19
